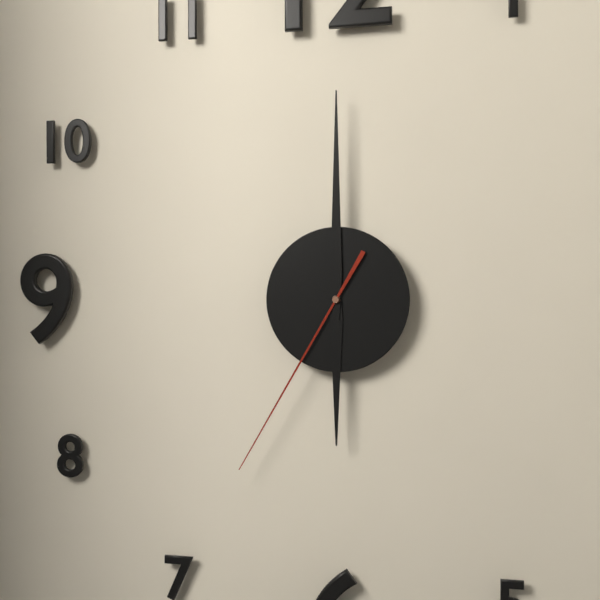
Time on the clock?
6:00:35
